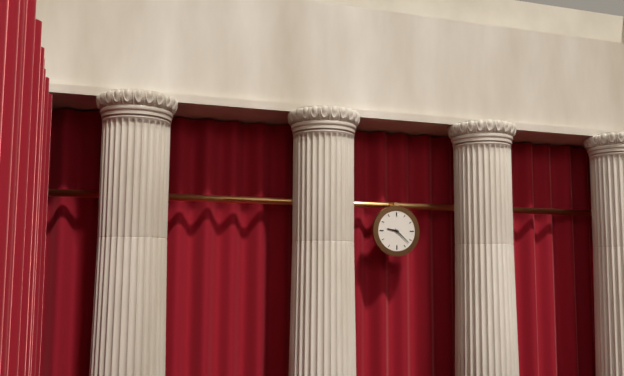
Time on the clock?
9:22
